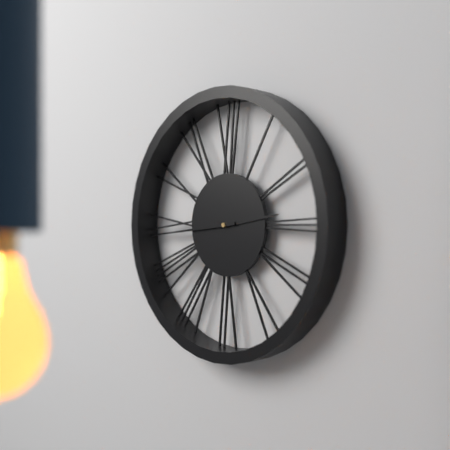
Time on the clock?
2:44
